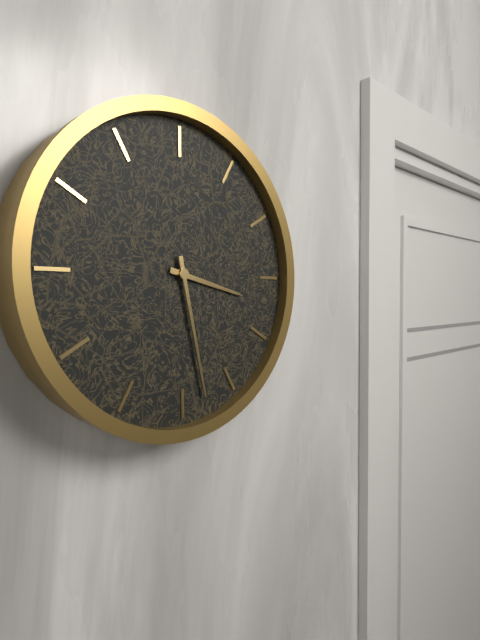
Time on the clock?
3:28
